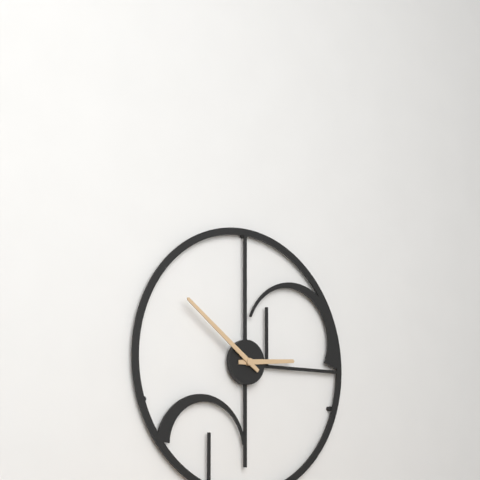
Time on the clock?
2:51
